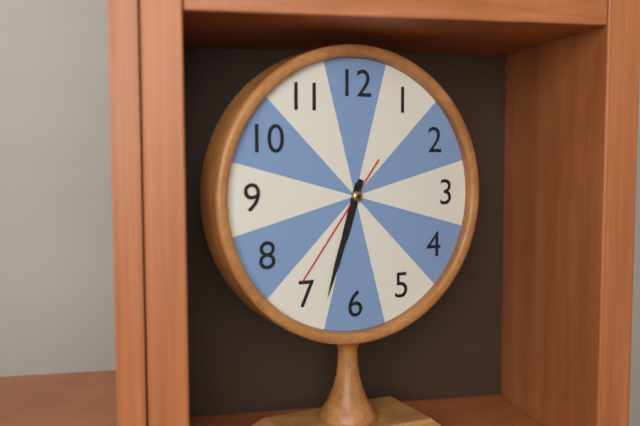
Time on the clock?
6:33:36
